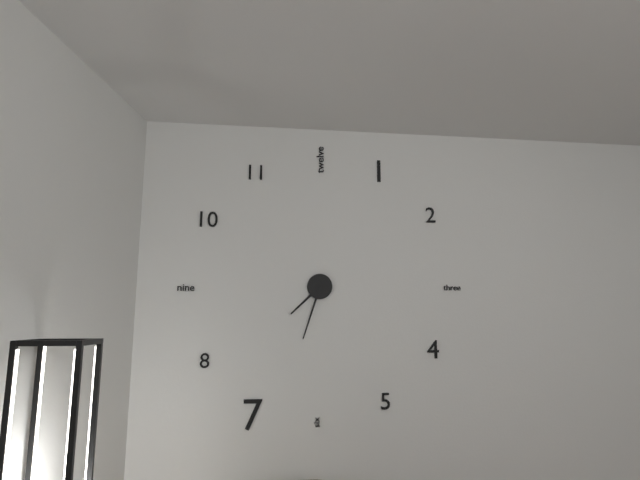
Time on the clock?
7:33
